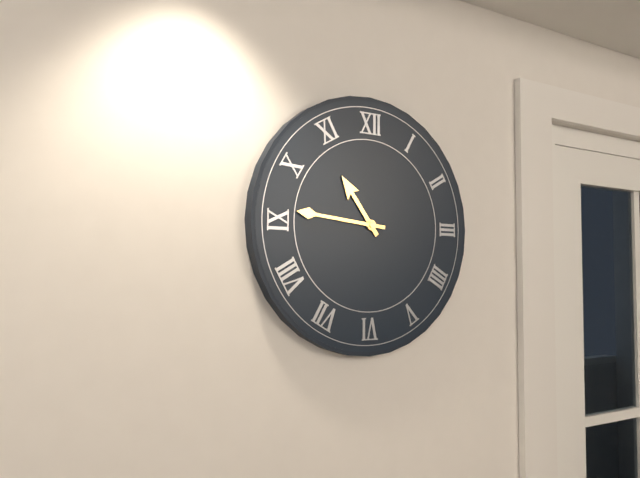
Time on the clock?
10:46
